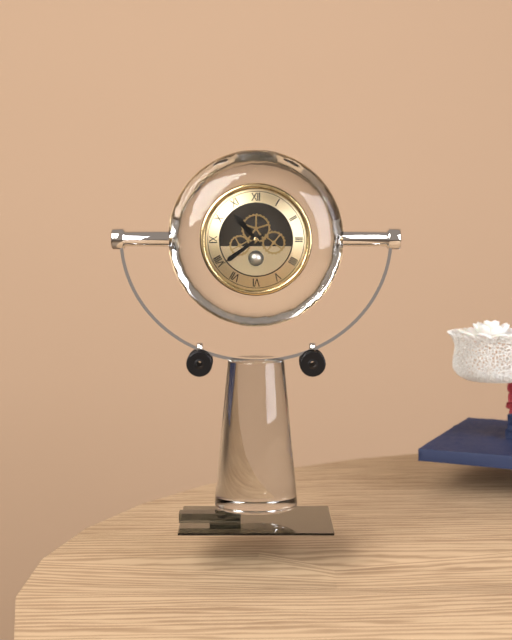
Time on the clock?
10:39
